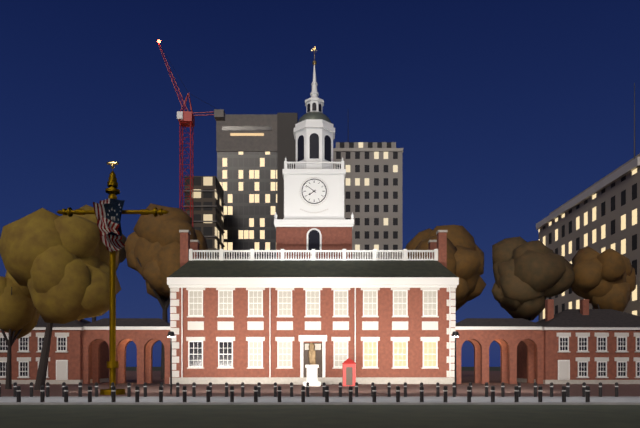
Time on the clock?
7:51
